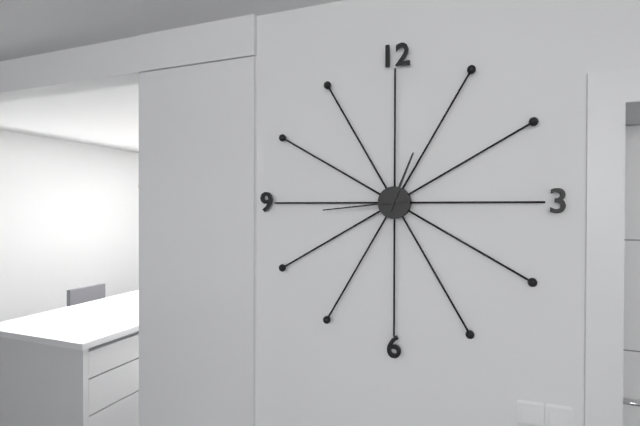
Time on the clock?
12:44
